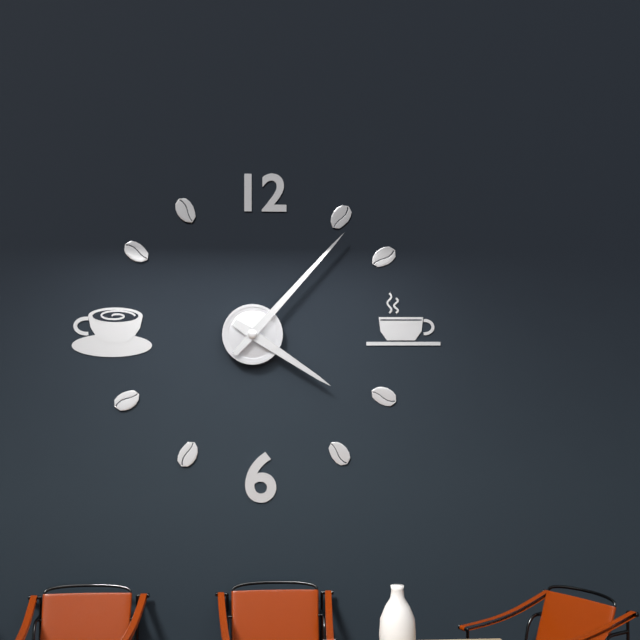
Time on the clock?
4:07
